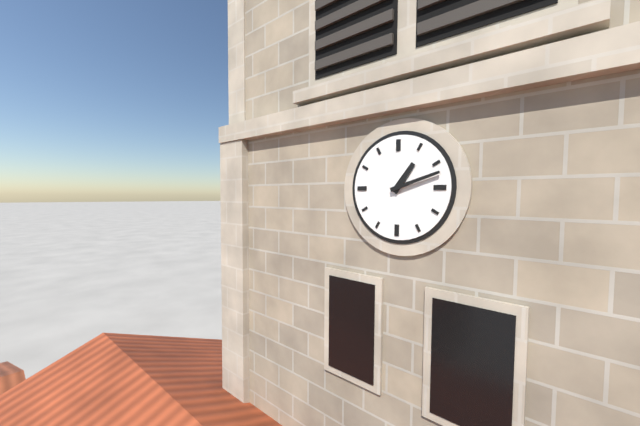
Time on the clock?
1:12
